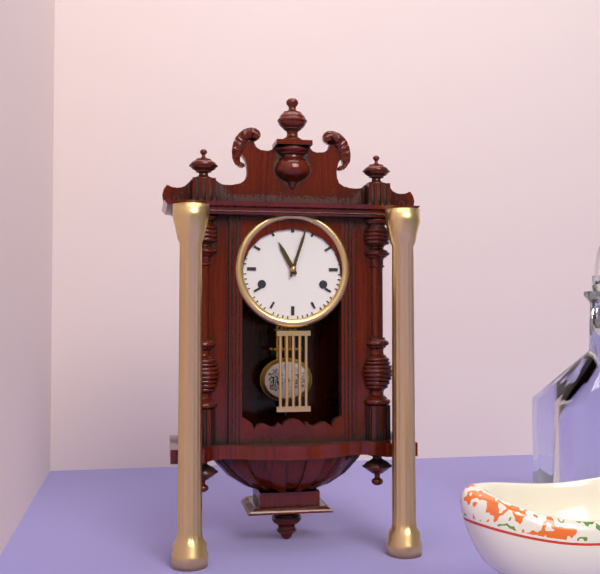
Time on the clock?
11:03
